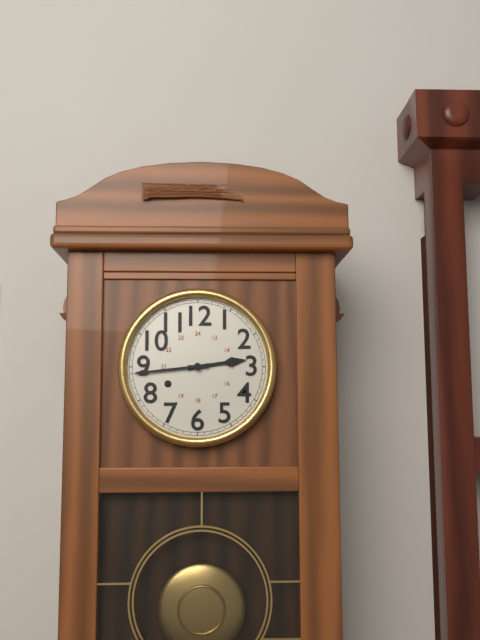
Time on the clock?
2:44
